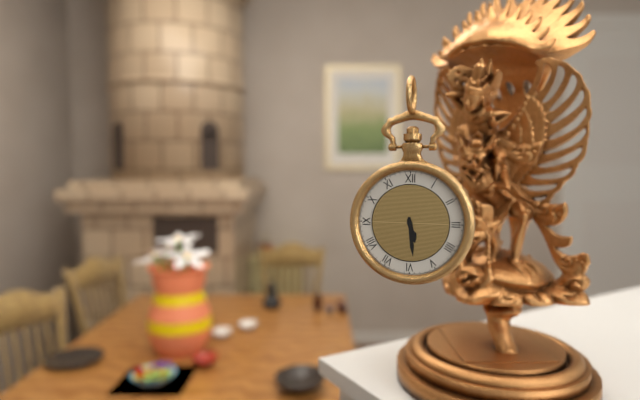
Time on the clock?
5:29
